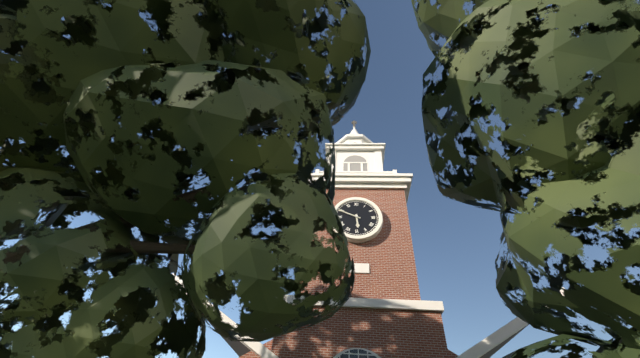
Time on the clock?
5:49
